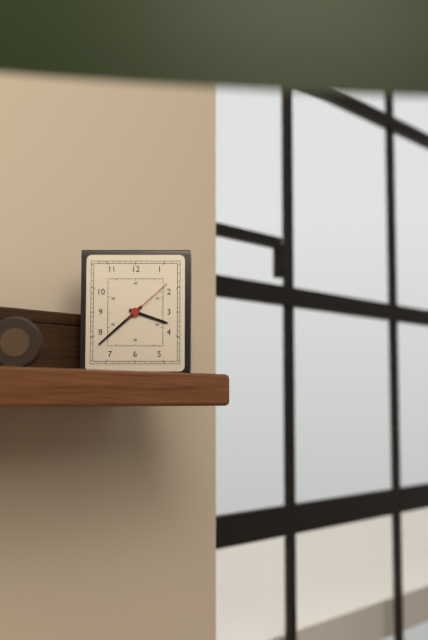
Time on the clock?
3:38:08
